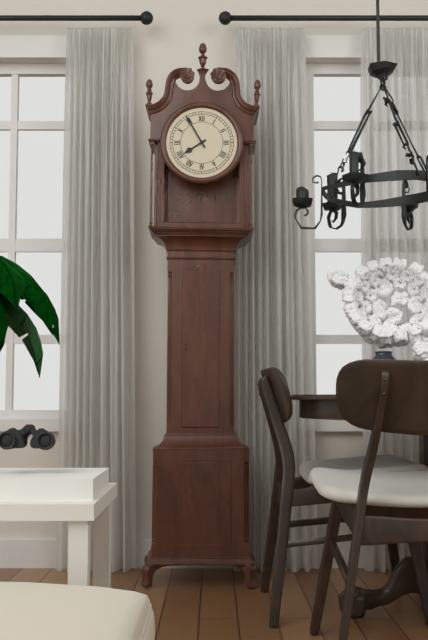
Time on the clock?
7:55
